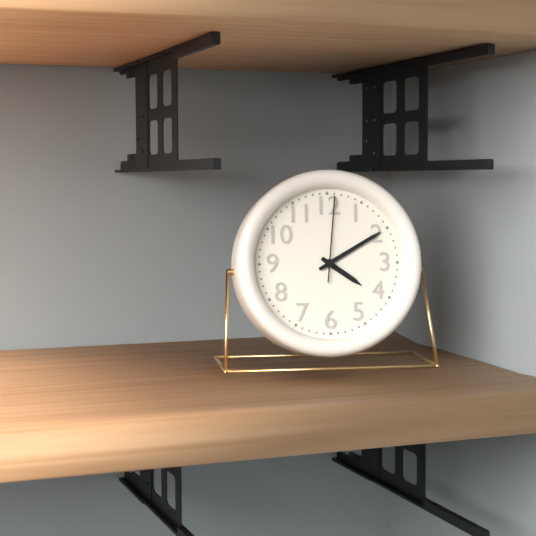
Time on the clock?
4:10:01
